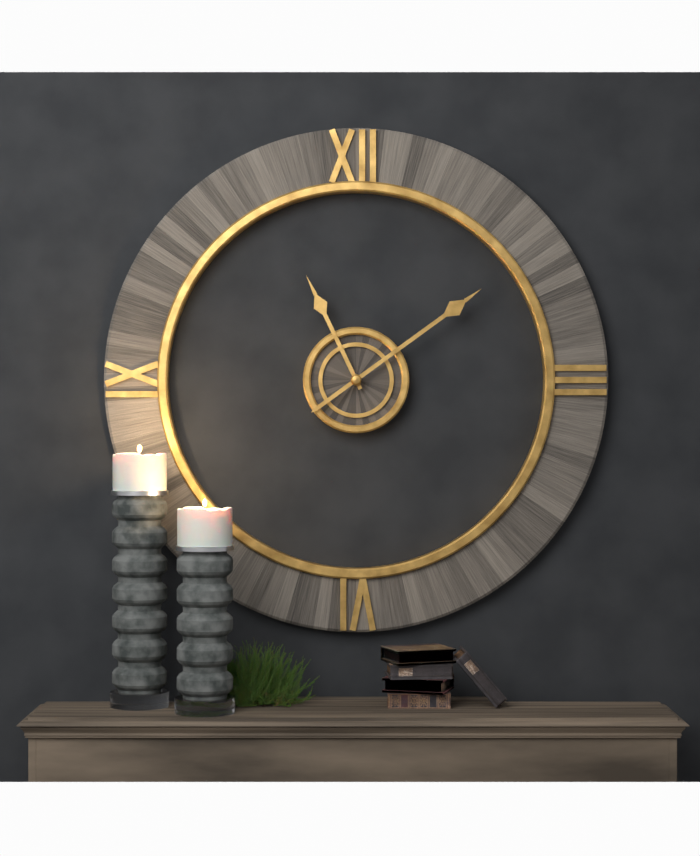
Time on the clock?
11:09
